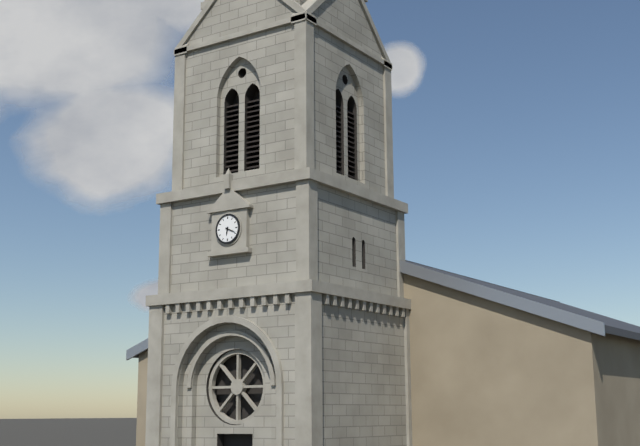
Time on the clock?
6:19
